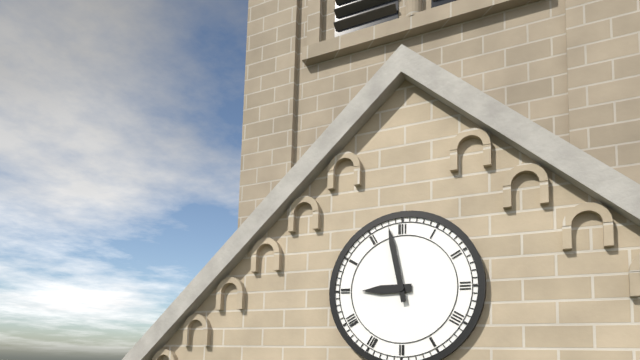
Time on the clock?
8:58
